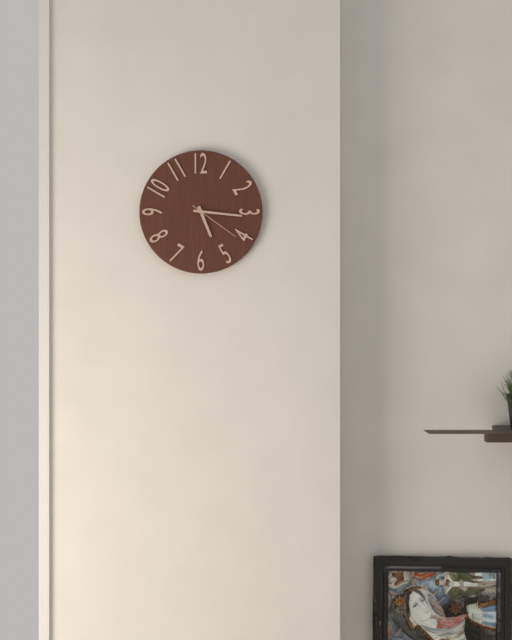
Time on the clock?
5:16:21
